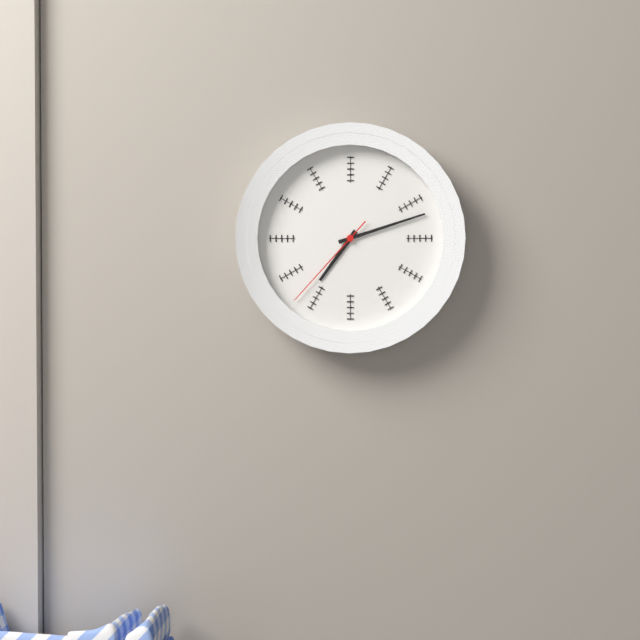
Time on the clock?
7:12:37
